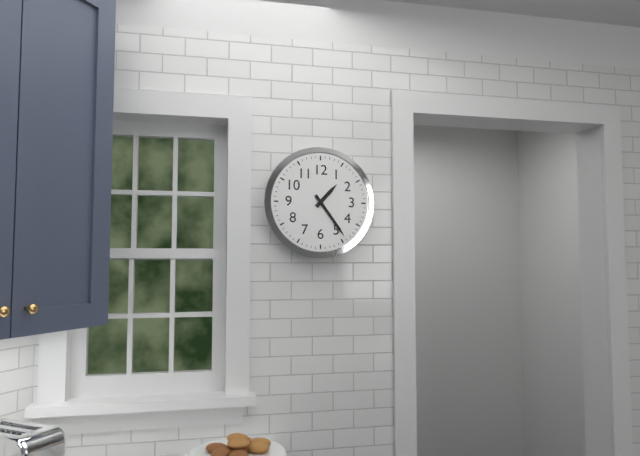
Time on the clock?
1:24
